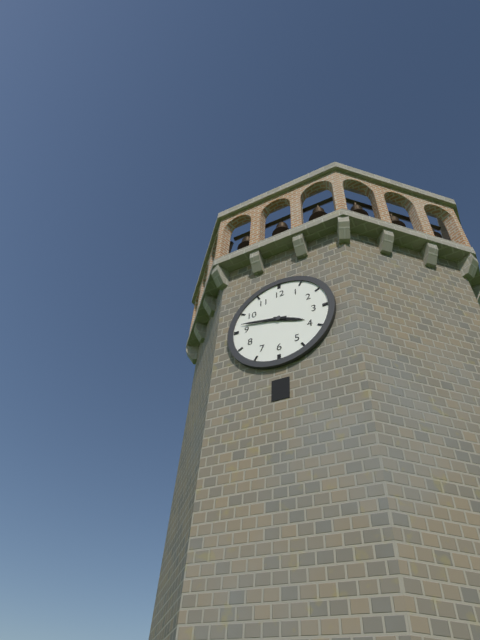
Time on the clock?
3:47
